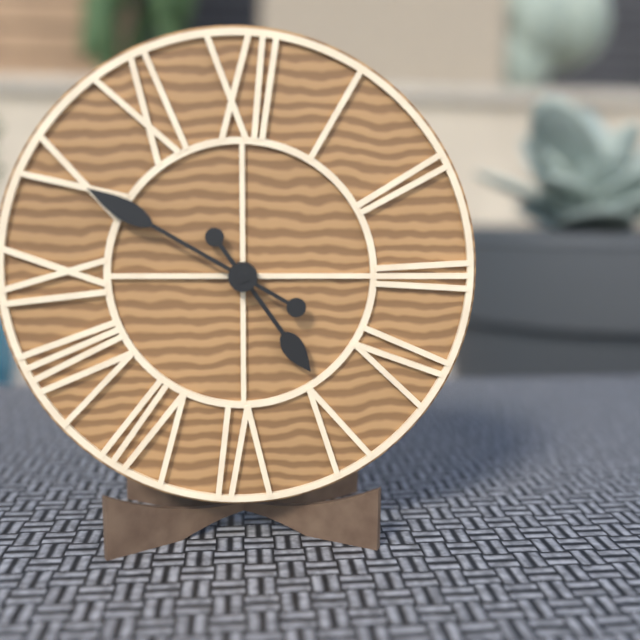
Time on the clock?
4:50
